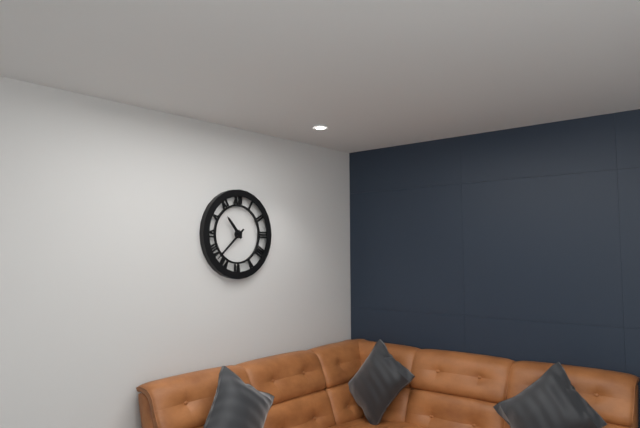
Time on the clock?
10:38
